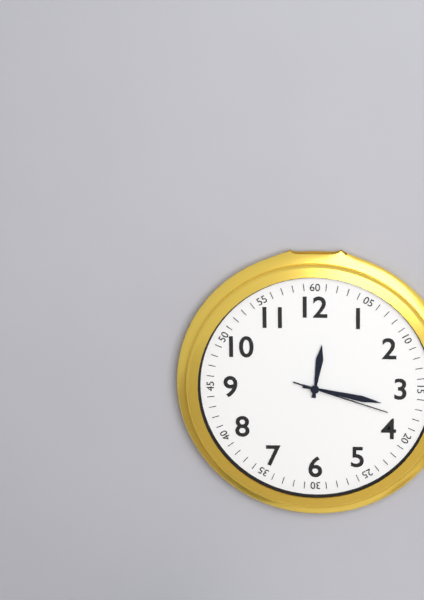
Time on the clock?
12:17:18
